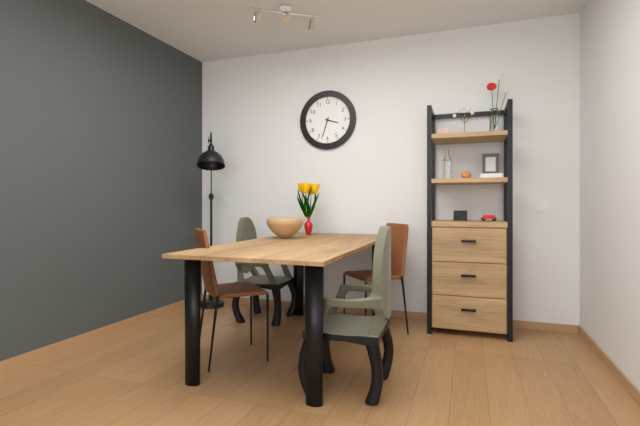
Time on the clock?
3:33
